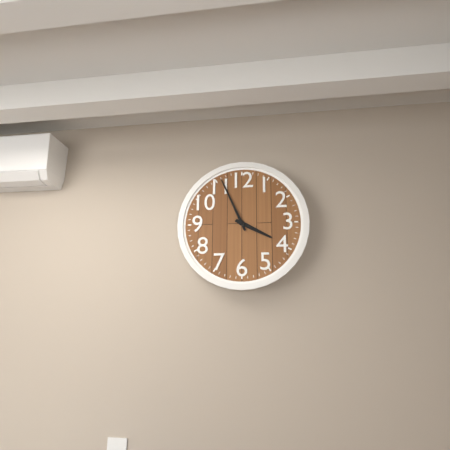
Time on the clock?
3:56
